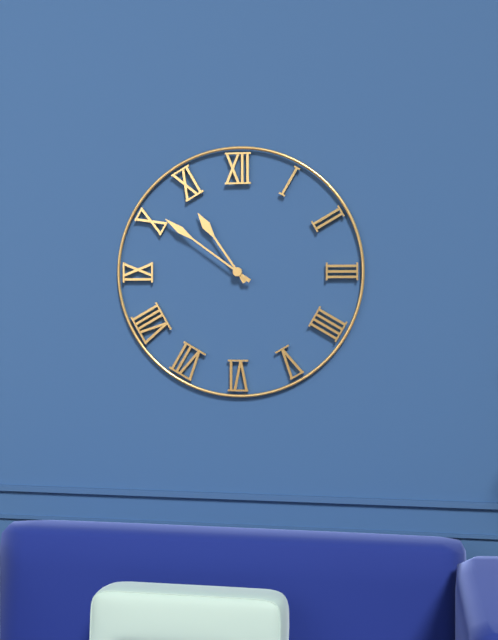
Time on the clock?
10:51
